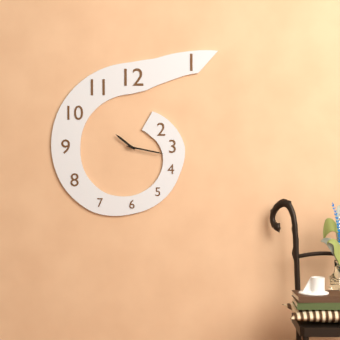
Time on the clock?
10:17
